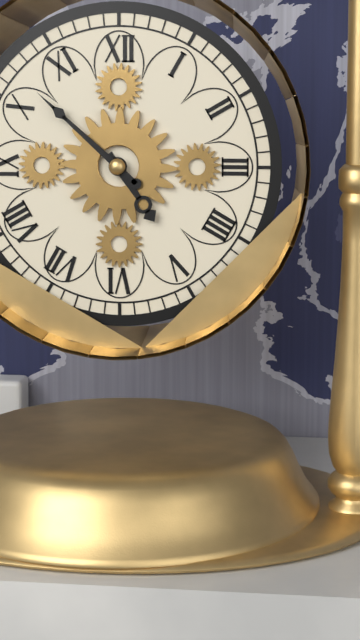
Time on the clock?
4:52
